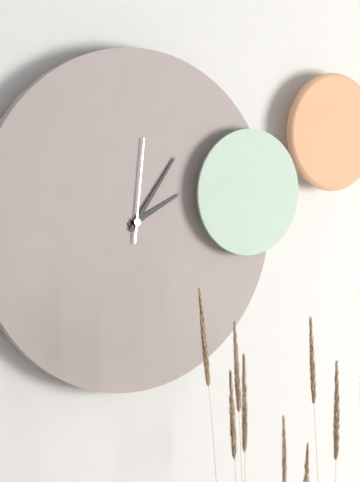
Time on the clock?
2:06:01
